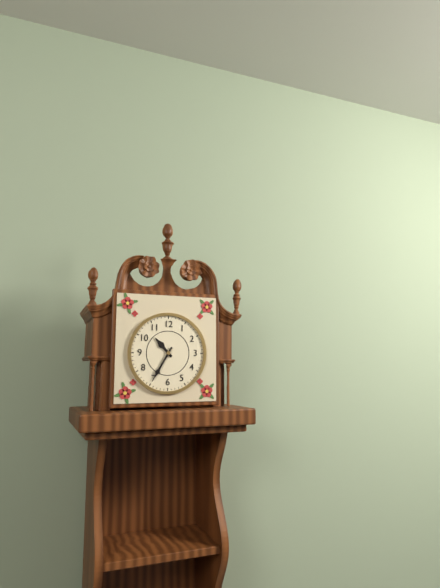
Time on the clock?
10:35
